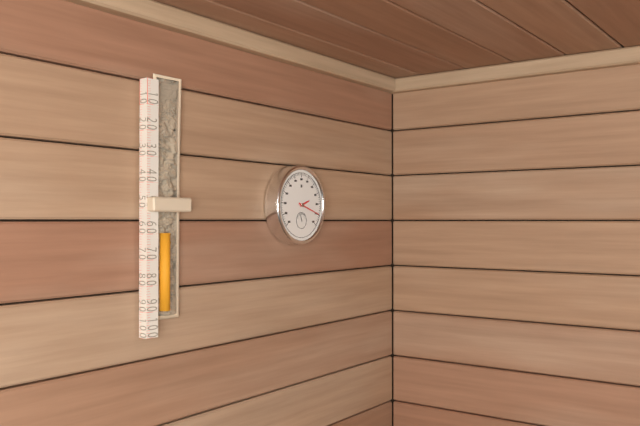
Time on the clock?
2:18
